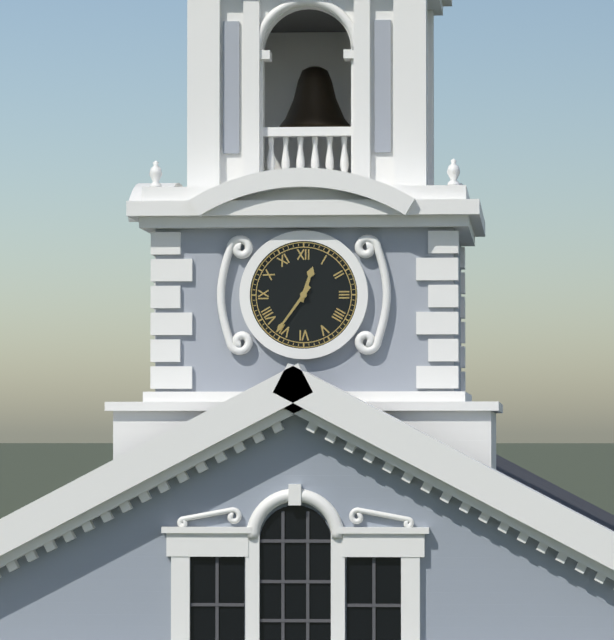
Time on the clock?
12:36
